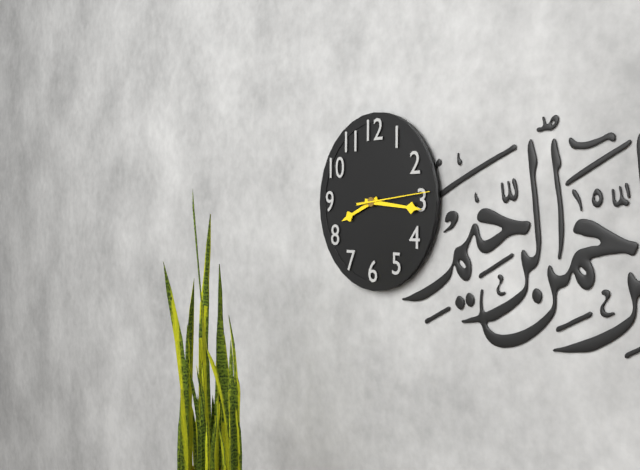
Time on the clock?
8:16:14
